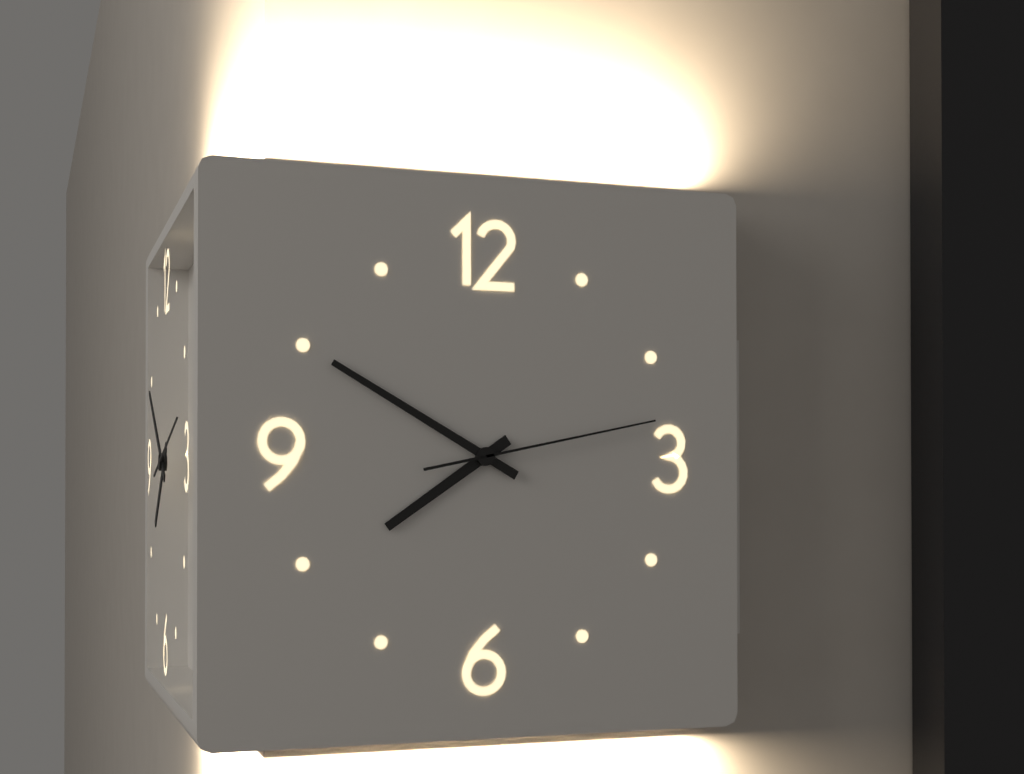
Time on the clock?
7:50:13
